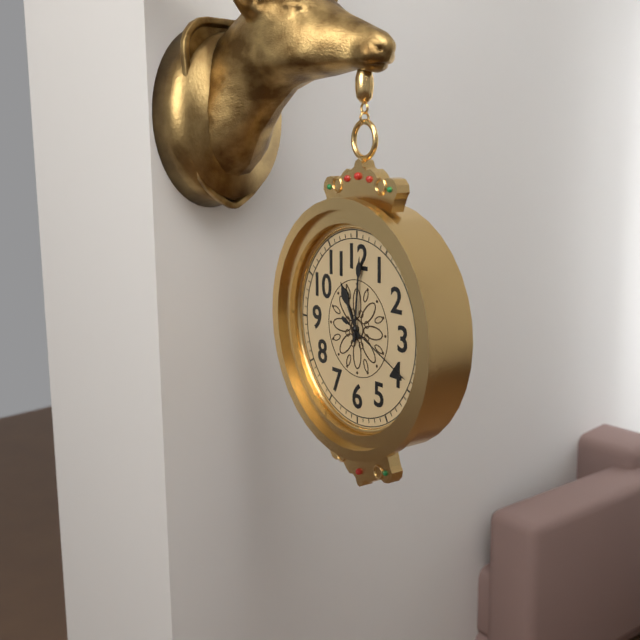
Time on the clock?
11:01:19
